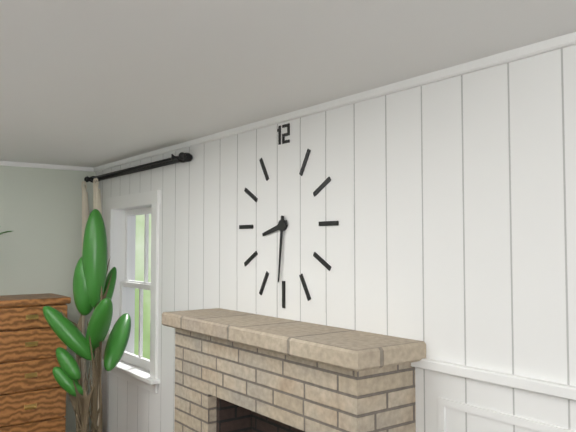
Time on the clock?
8:31
